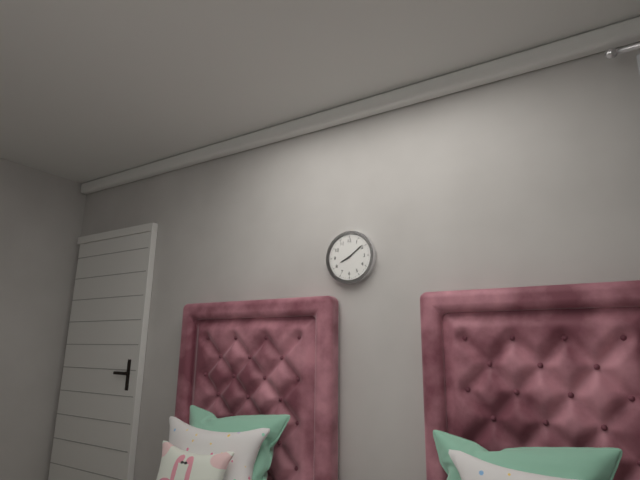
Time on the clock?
8:09
